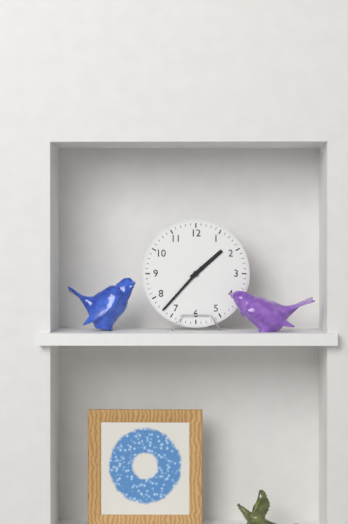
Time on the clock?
1:37
